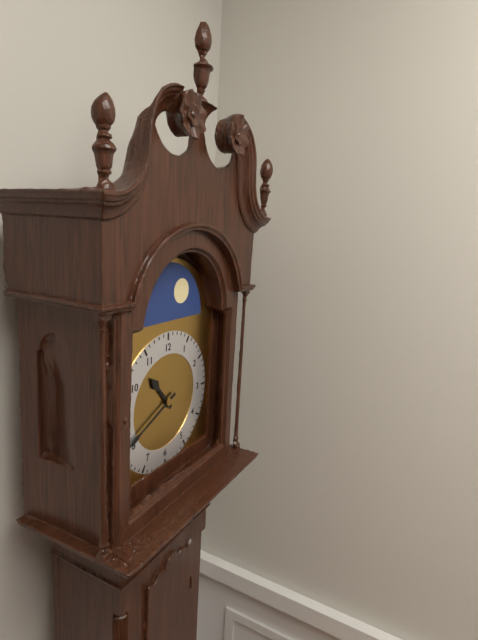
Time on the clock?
10:41
